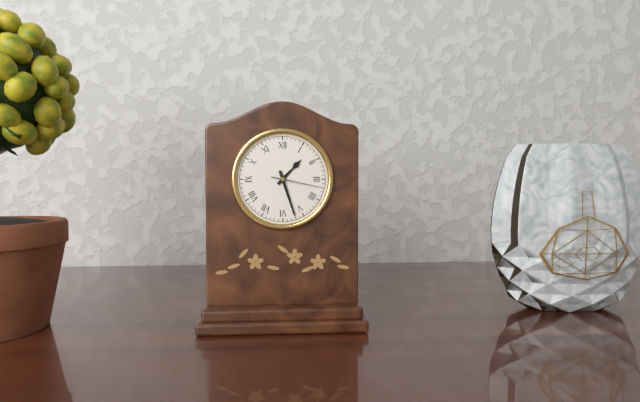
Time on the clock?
1:27:17
